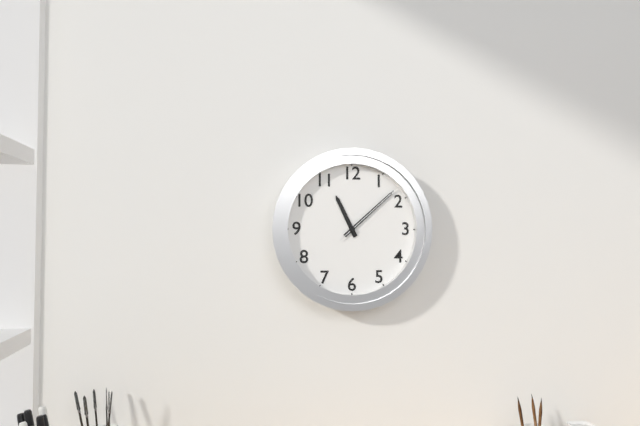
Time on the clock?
11:08:08
